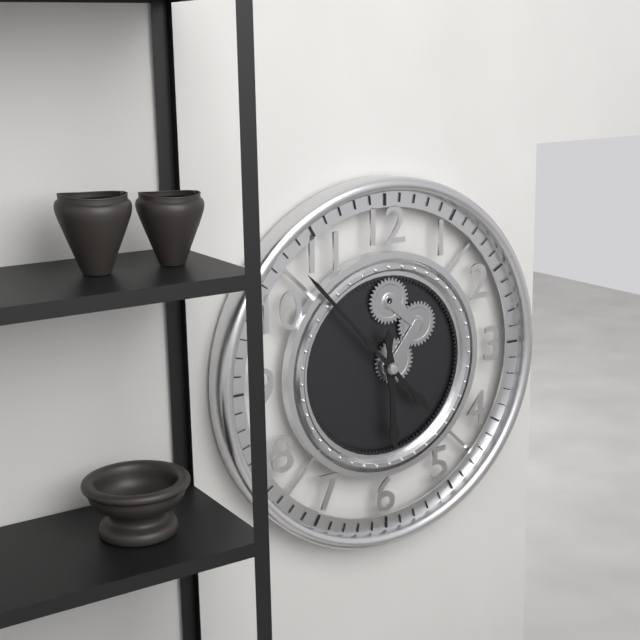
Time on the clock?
5:53
